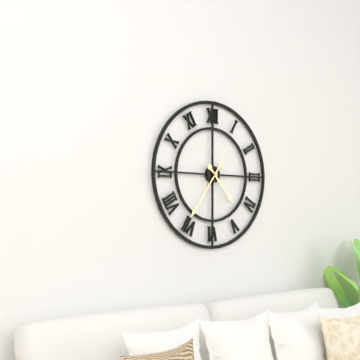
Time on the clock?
4:36
